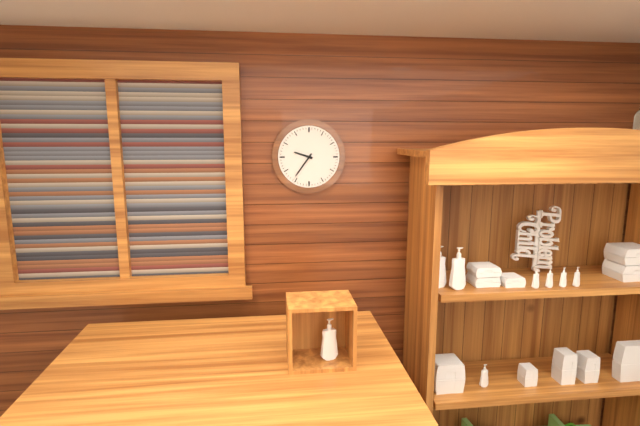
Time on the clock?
9:36
